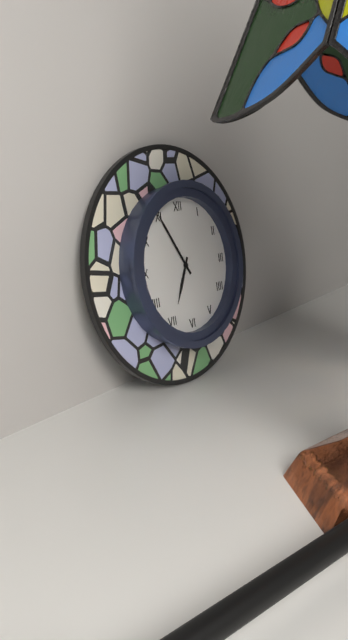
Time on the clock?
6:55
